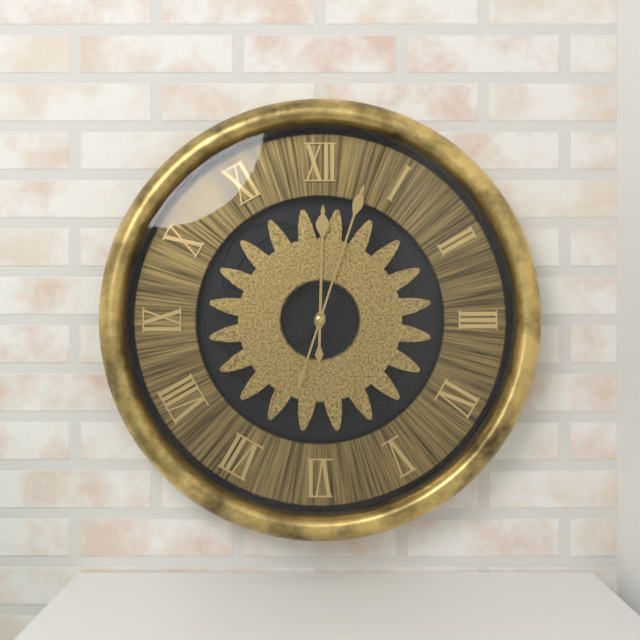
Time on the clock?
12:03
